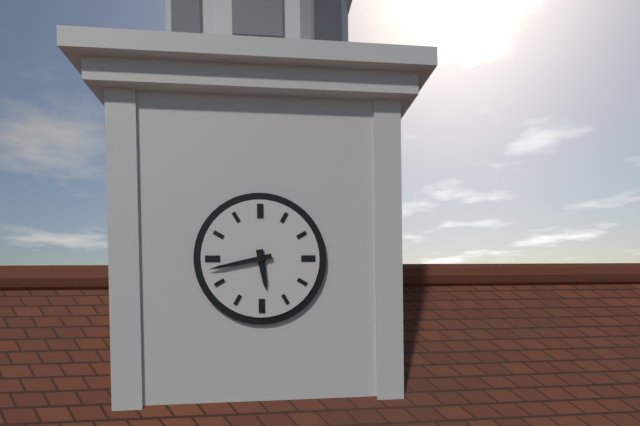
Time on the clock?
5:43
